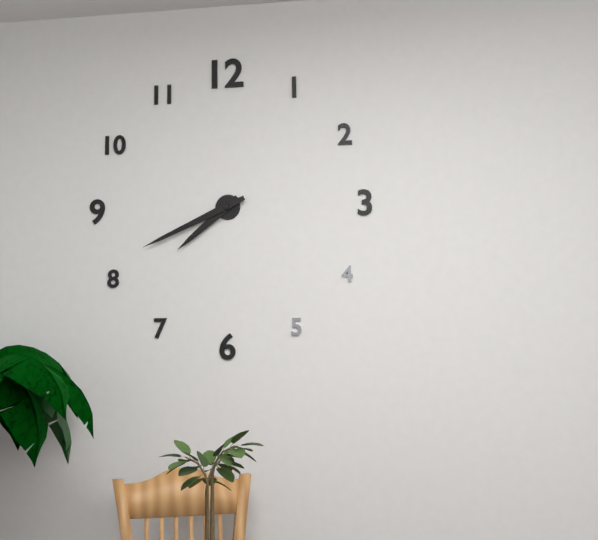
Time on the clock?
7:41
